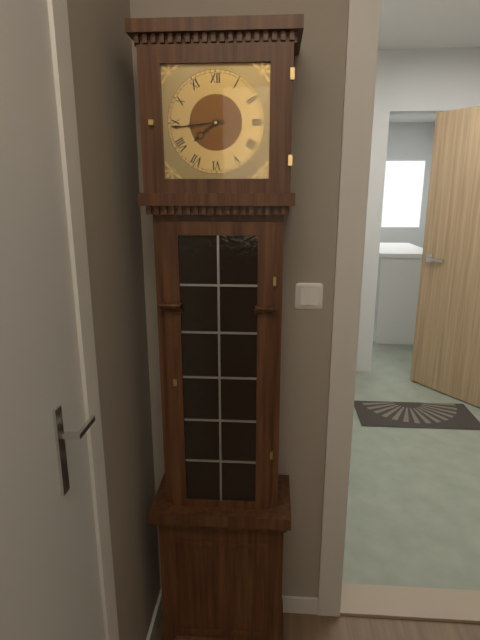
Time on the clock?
7:44
